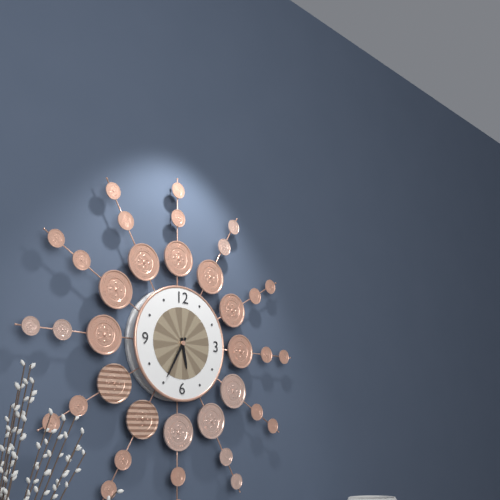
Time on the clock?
5:35
